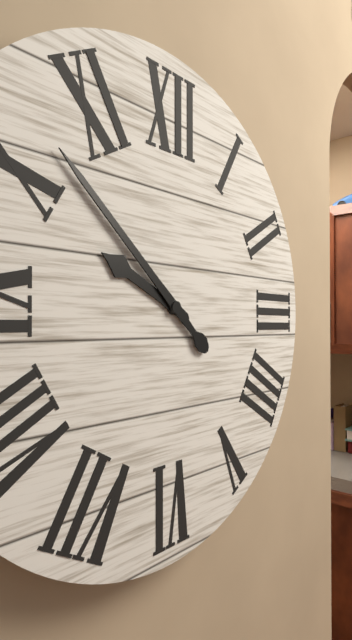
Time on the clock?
9:52
